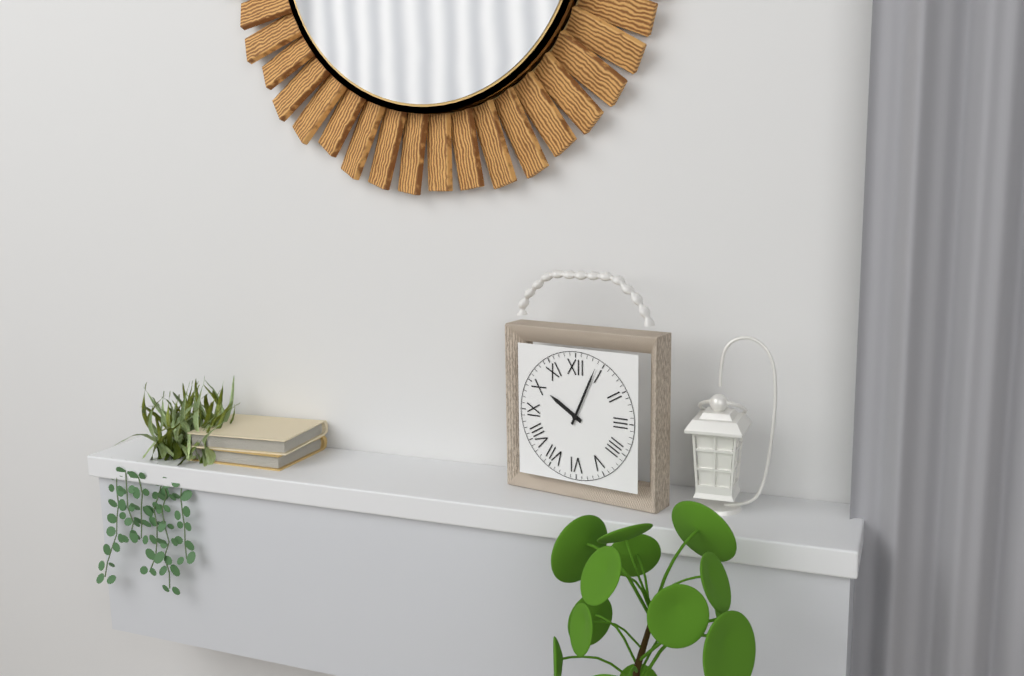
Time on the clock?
10:04
